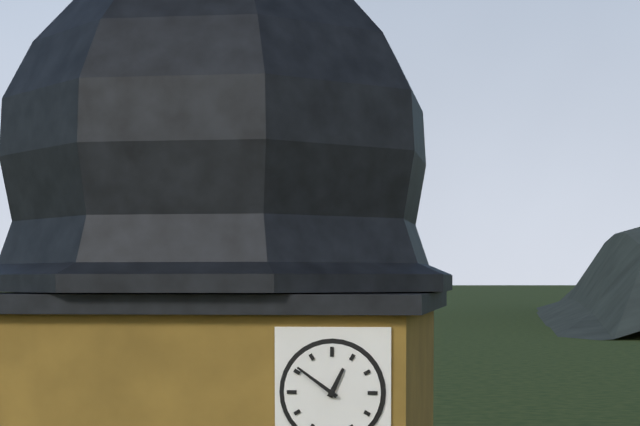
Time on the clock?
12:51
